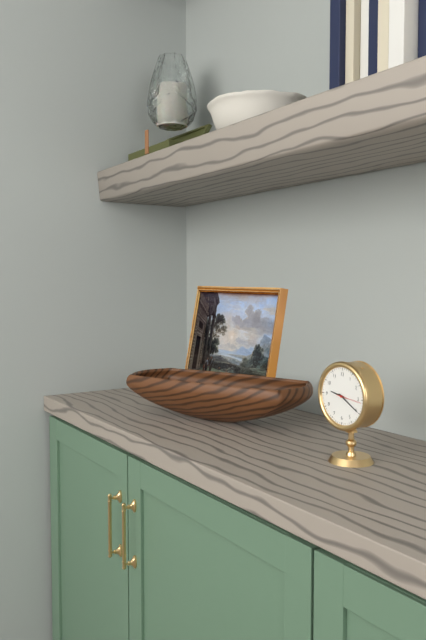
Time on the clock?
9:20
